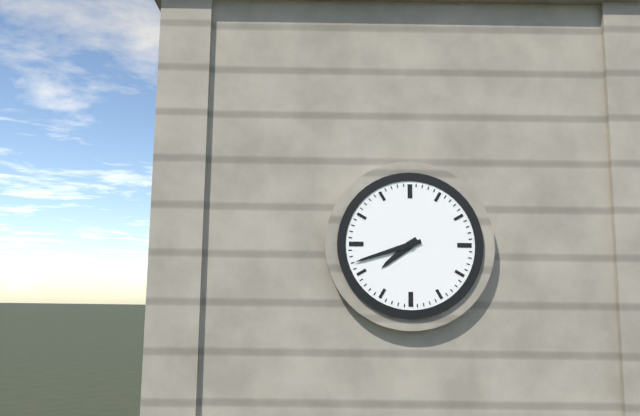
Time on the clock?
7:42
